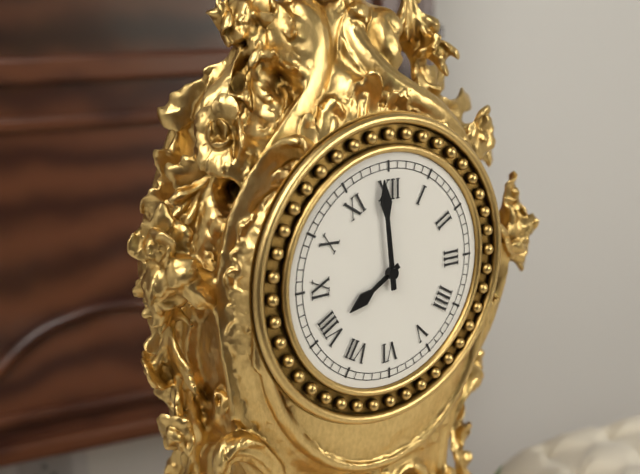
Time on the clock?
7:59
